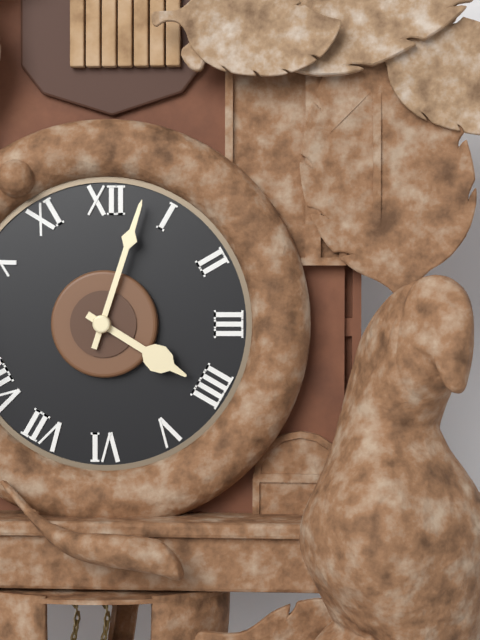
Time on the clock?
4:03
